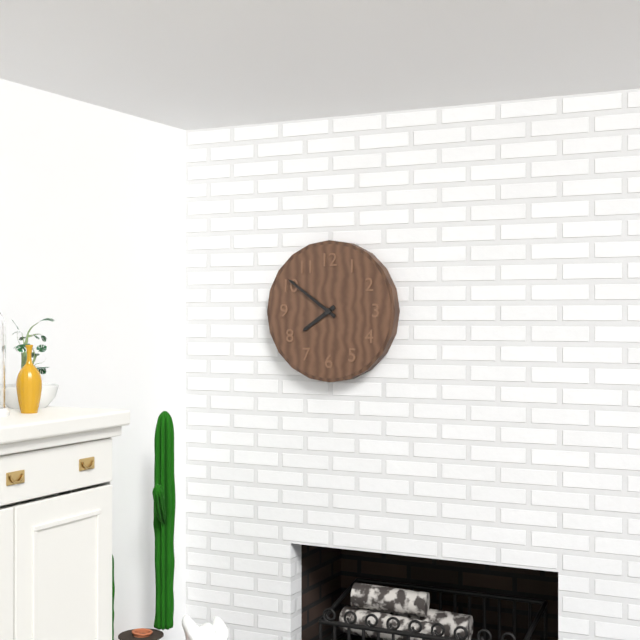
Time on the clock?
7:51
